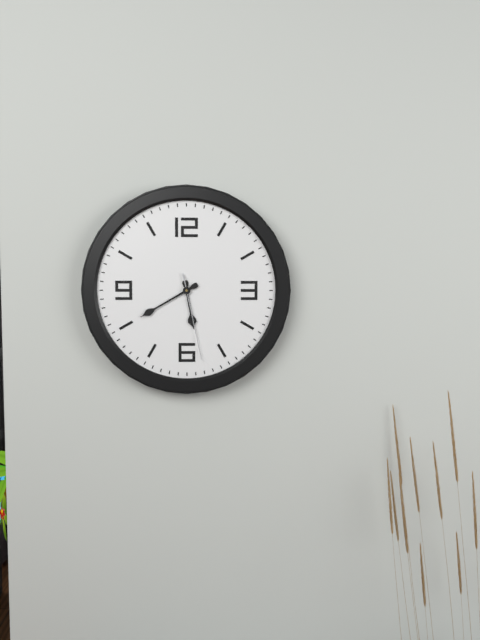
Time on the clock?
5:40:28
